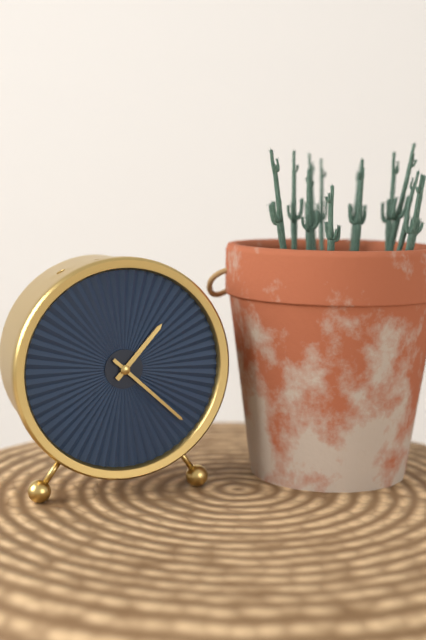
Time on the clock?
1:22
